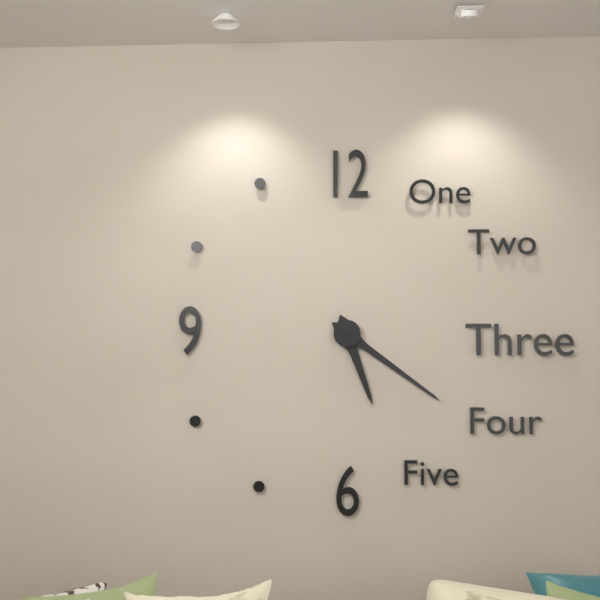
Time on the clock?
5:21
